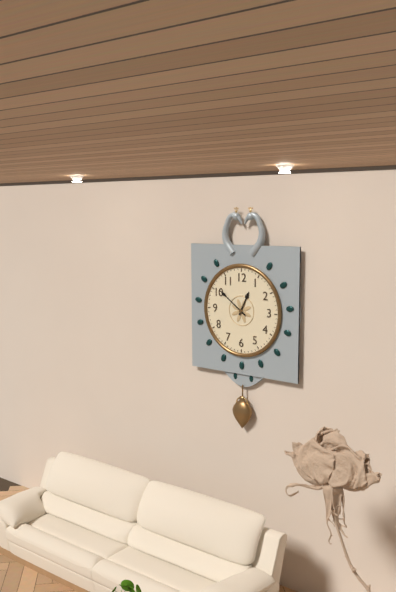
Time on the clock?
12:51
